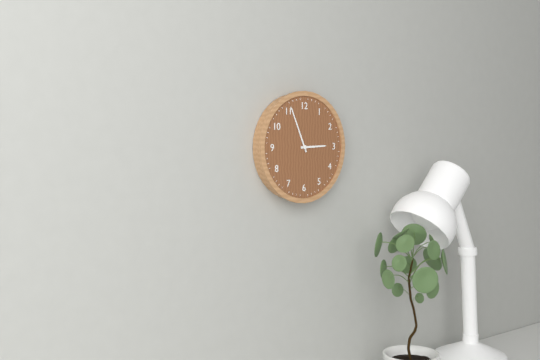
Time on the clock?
2:56
